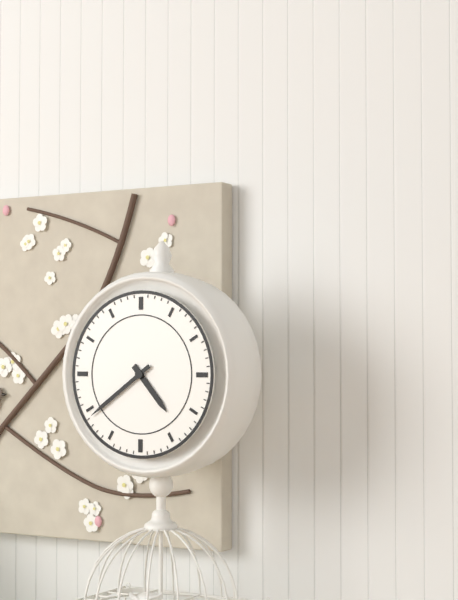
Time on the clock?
4:39
